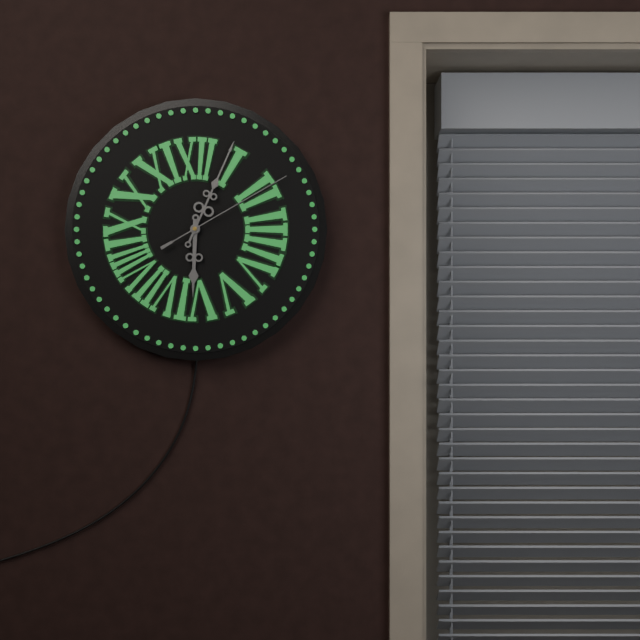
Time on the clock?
6:04:10
